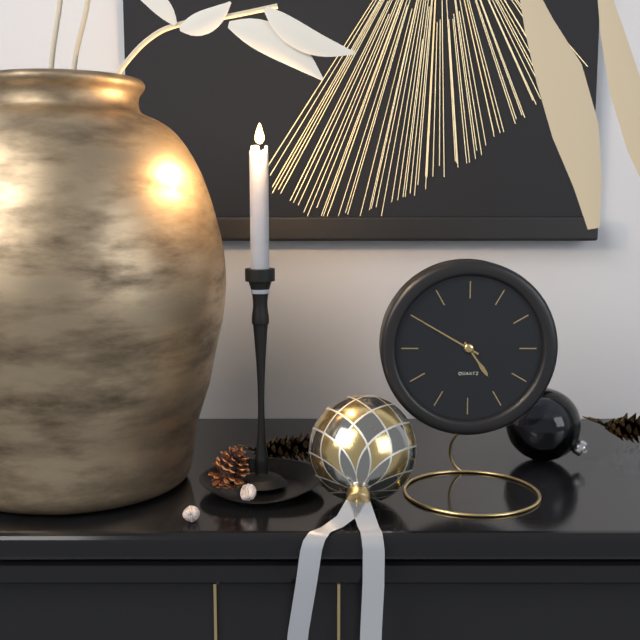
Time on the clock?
4:50
